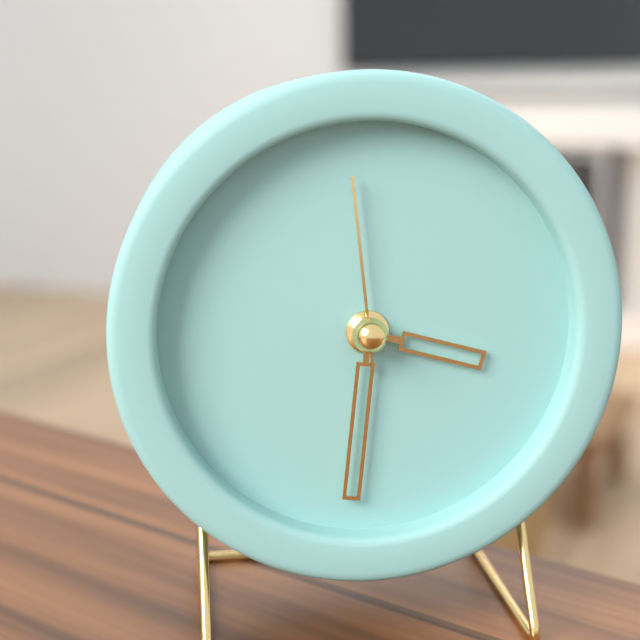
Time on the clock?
3:31:59
